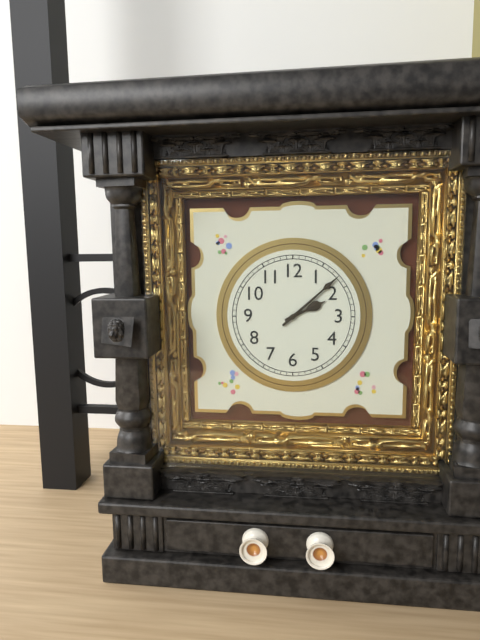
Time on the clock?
2:08
